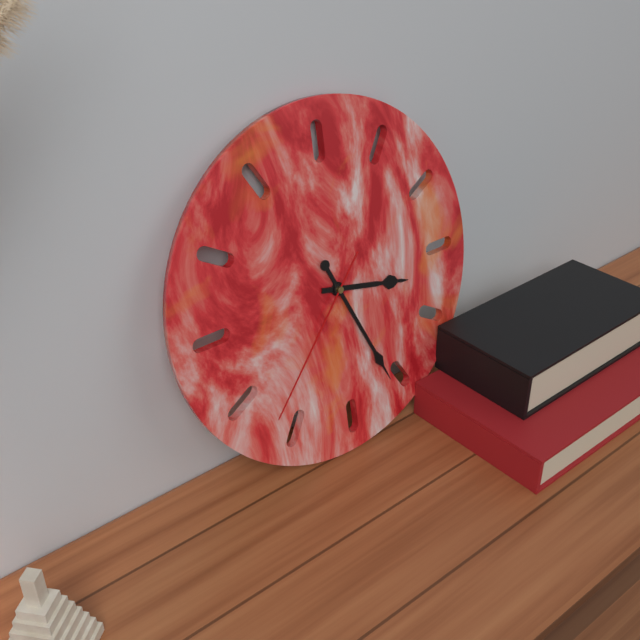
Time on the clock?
3:26:37
